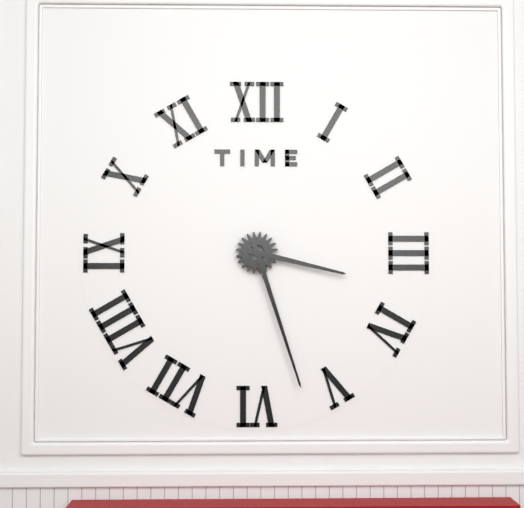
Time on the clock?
3:27
